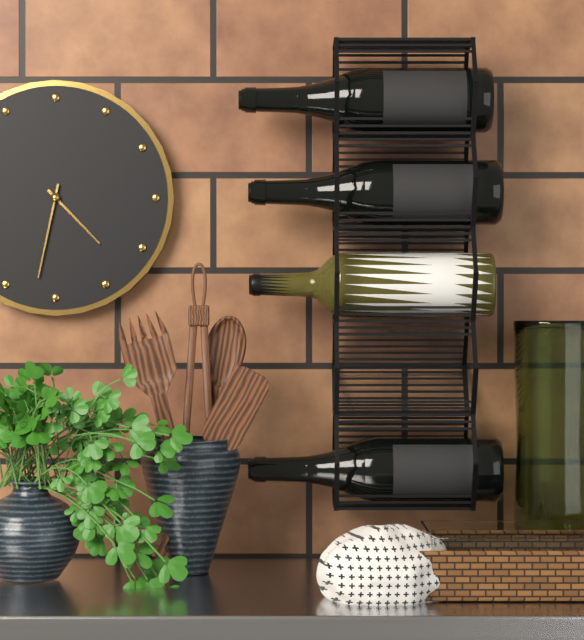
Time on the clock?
4:32
